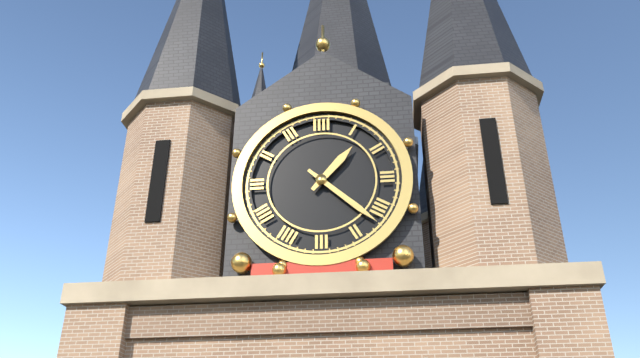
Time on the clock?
1:22
